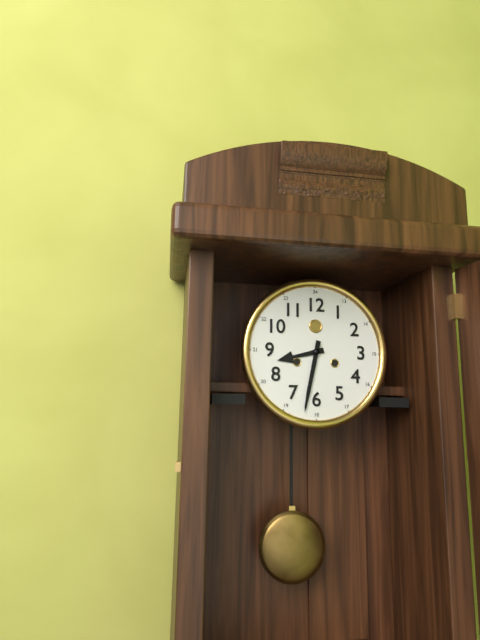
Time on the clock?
8:32
